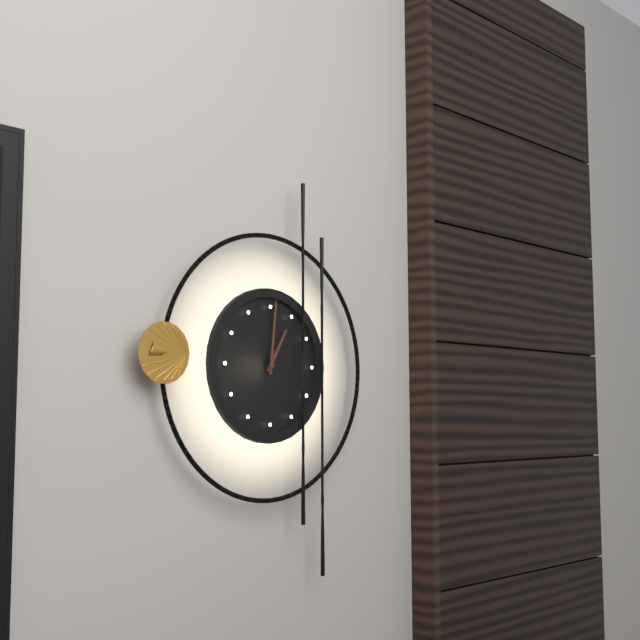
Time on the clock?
1:01
